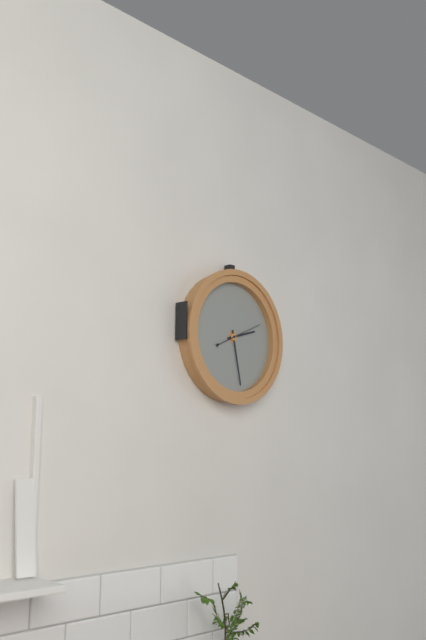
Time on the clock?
2:28
